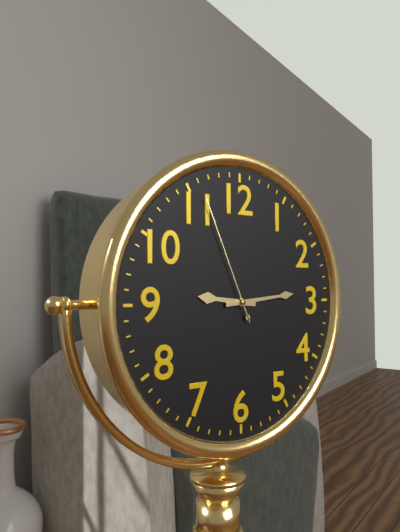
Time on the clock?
9:14:56
